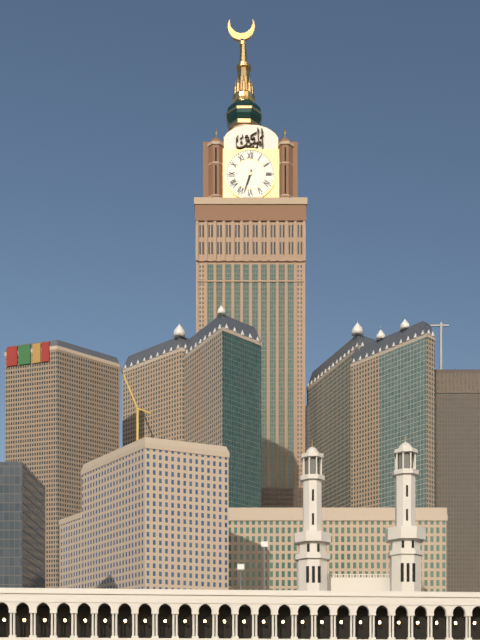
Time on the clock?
6:33
